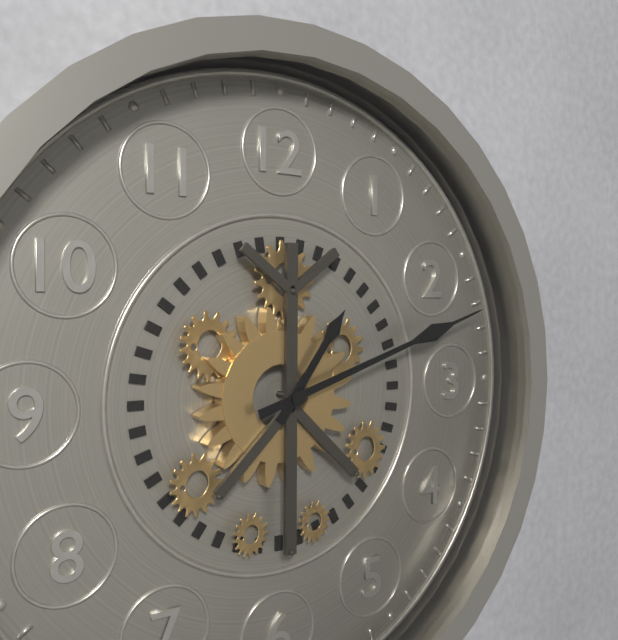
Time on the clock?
1:12
